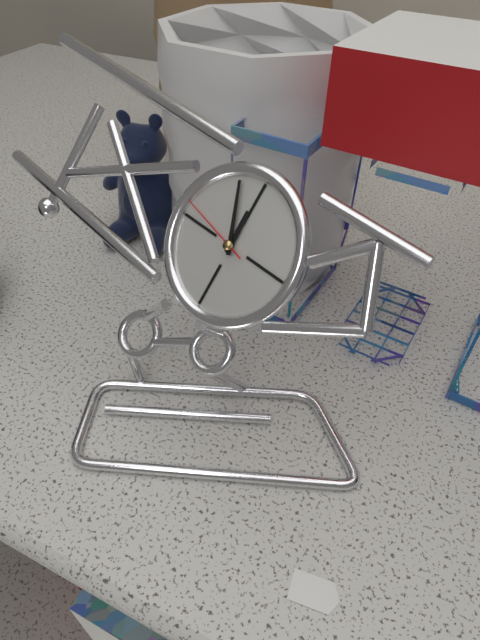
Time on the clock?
11:56:47
